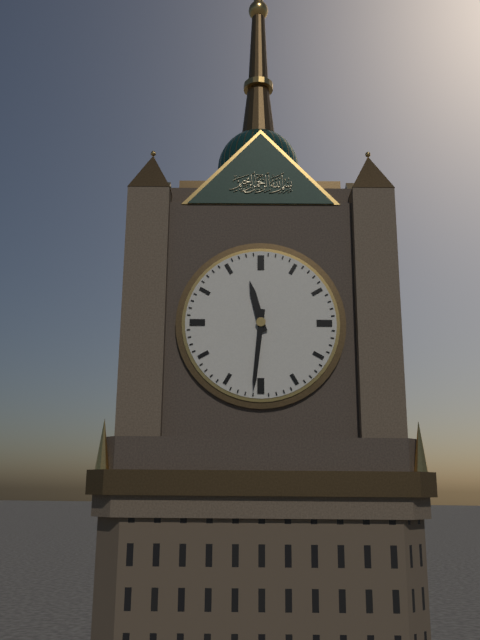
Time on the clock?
11:31
